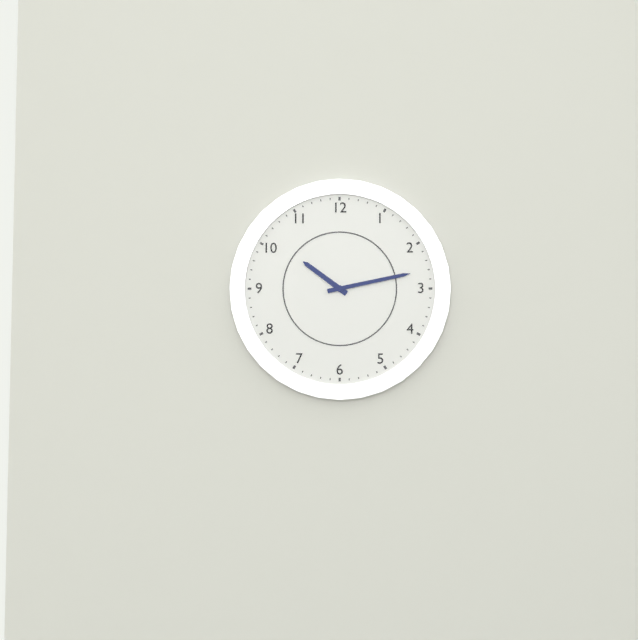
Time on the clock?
10:13
